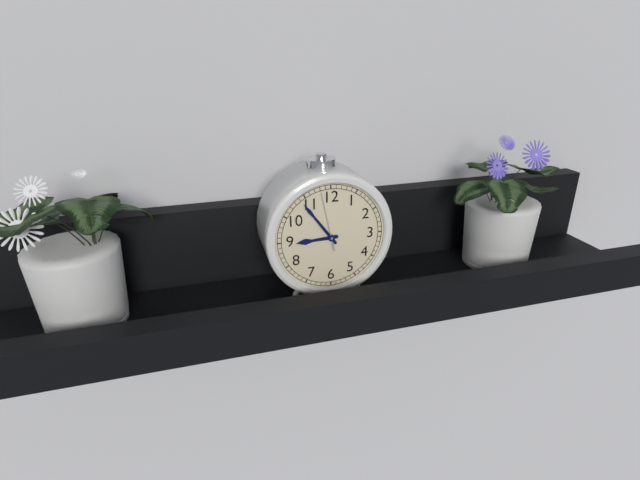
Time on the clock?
8:54:58
